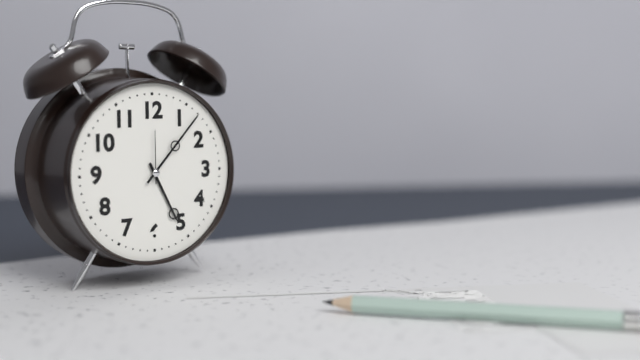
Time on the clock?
5:07:00
